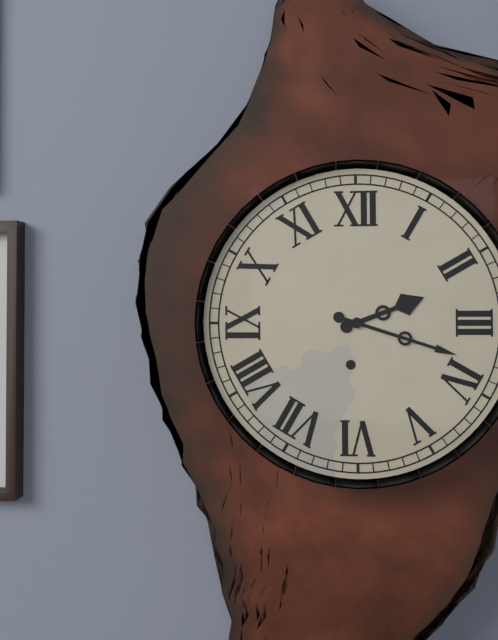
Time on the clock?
2:18
